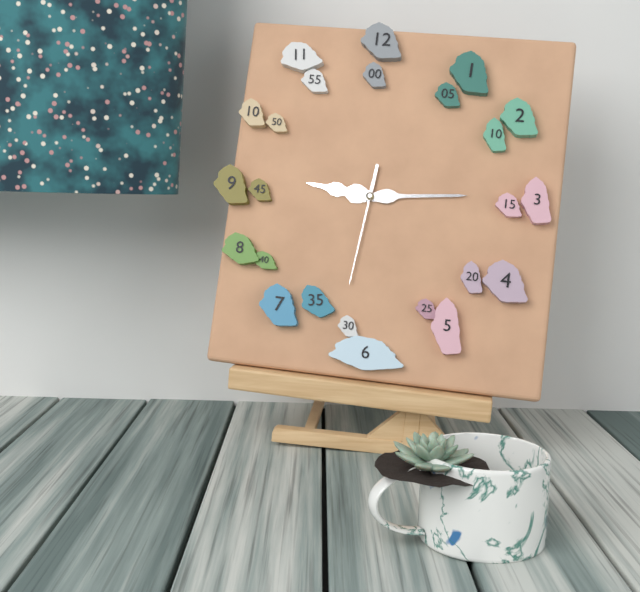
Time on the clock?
9:14:31
